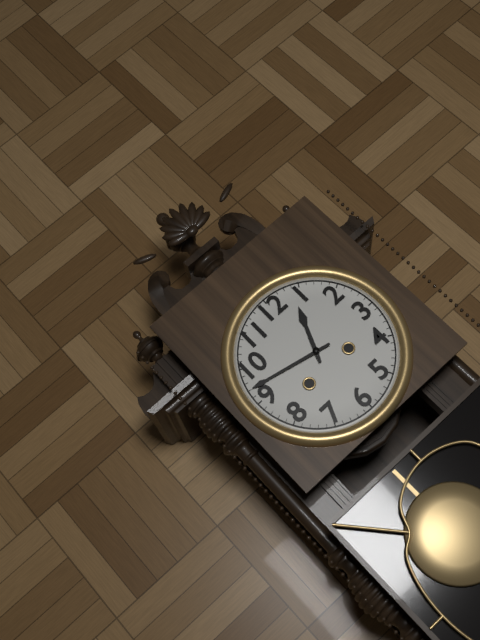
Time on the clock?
12:47
